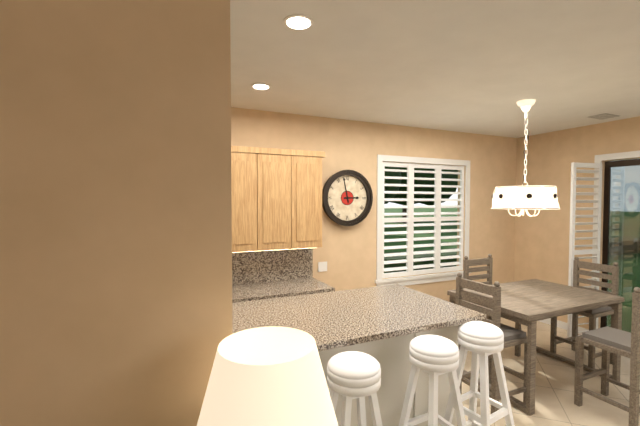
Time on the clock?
2:58
